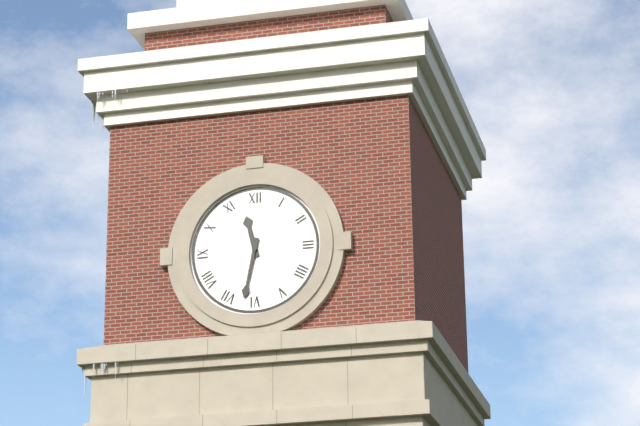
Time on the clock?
11:32
